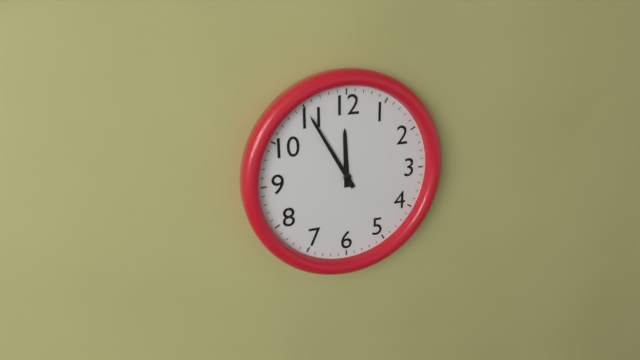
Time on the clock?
11:55
